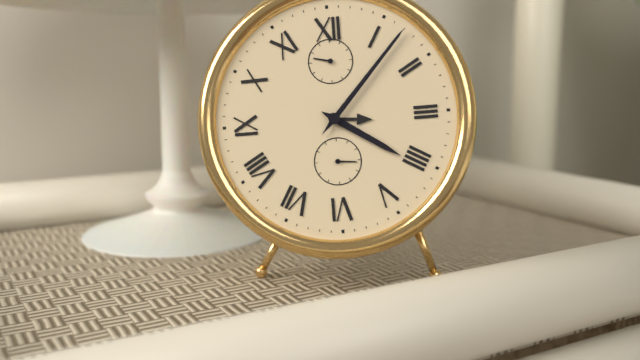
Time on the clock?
4:07
